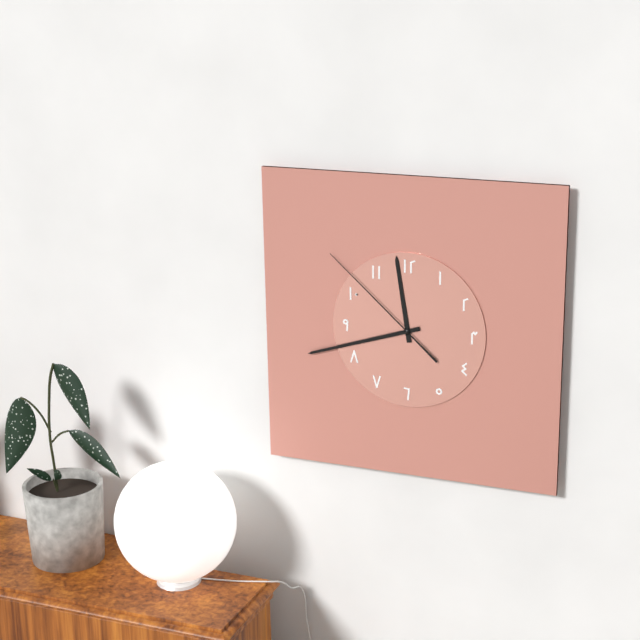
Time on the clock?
11:42:52
